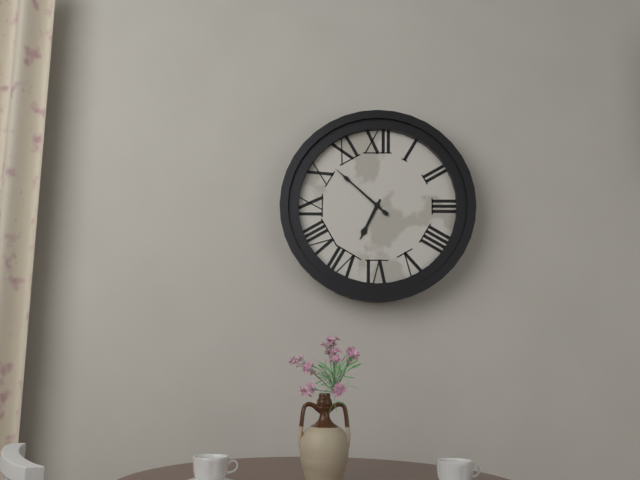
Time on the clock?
6:52
